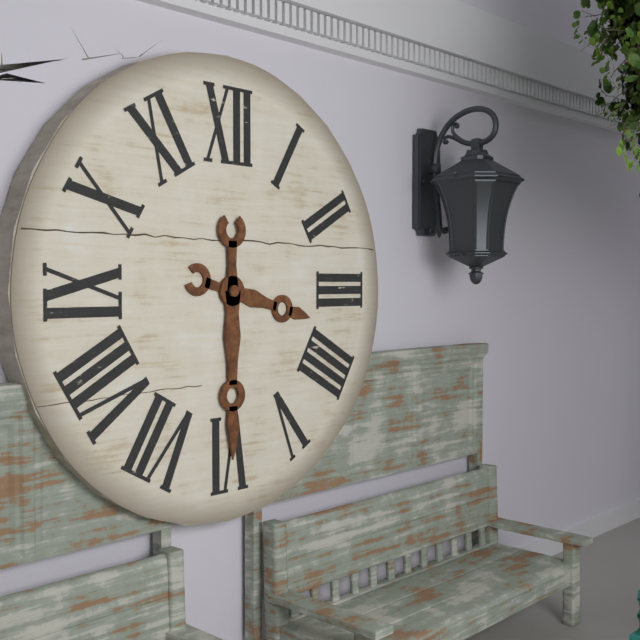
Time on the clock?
3:30
